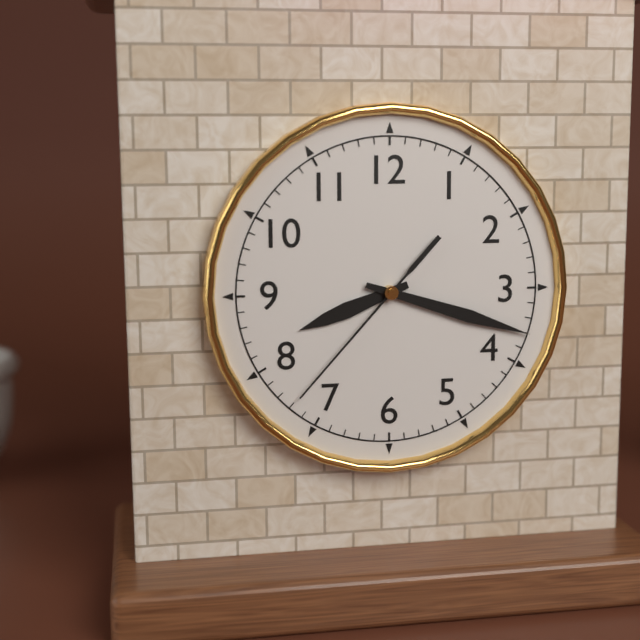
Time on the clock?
8:18:37
